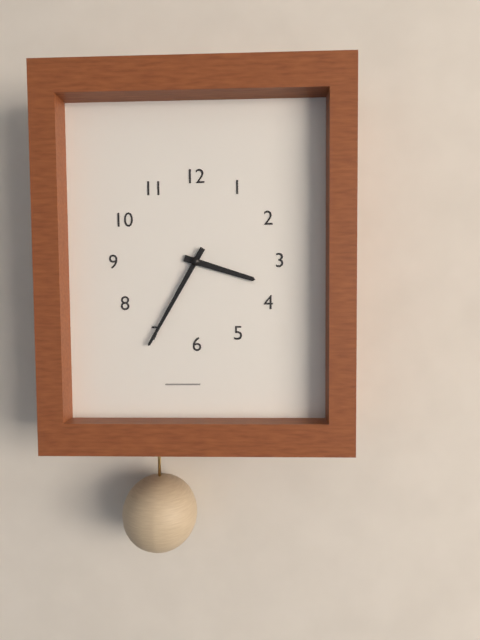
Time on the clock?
3:35
